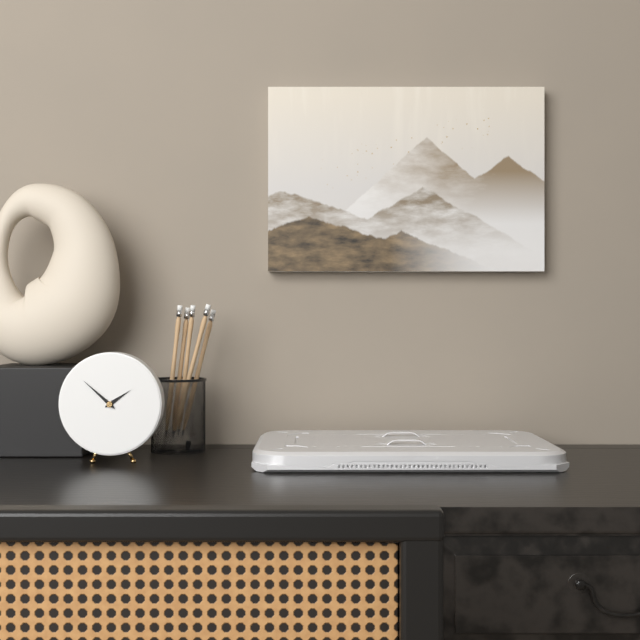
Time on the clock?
1:52
